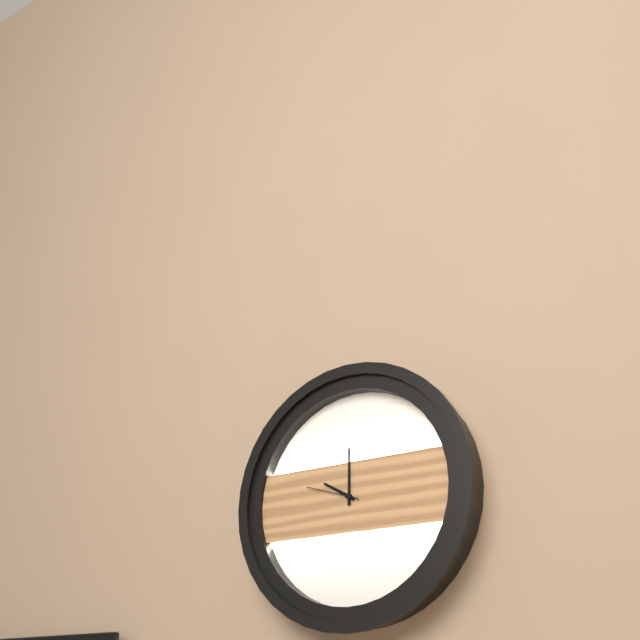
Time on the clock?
10:00:48
